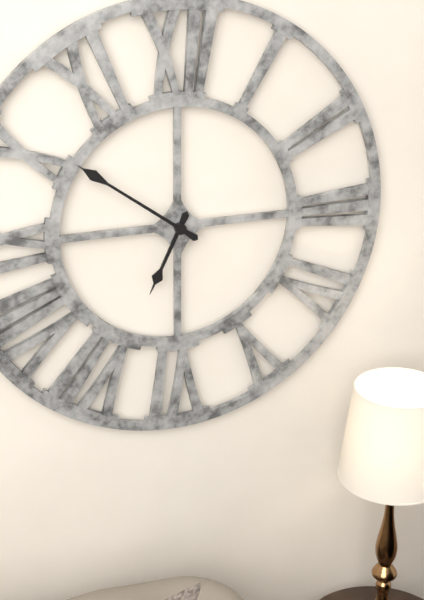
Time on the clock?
6:51
